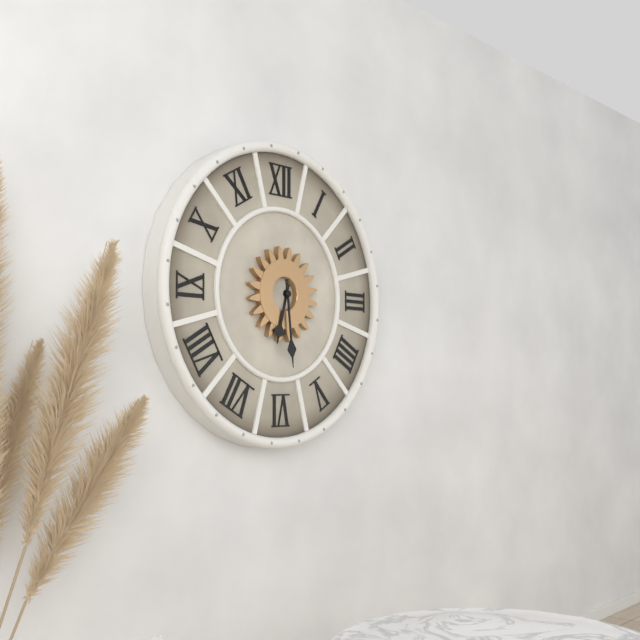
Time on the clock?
6:29
